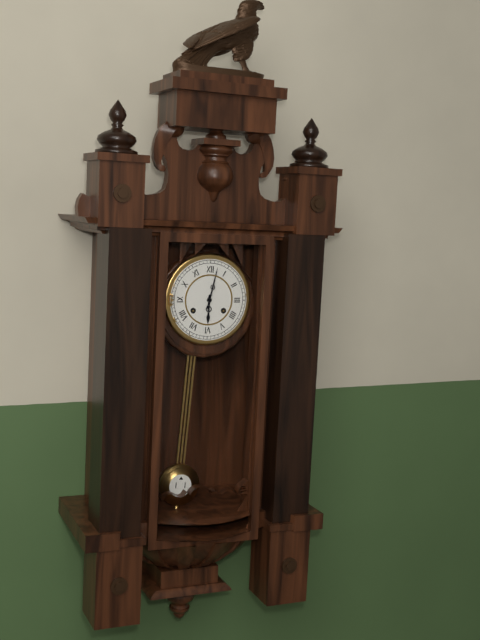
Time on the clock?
6:02
